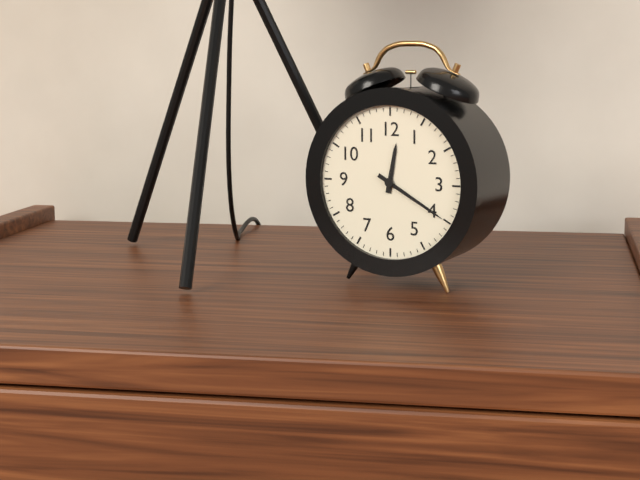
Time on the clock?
12:20
